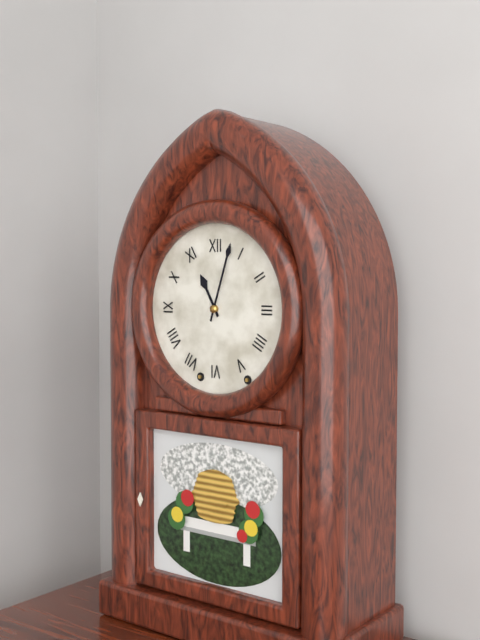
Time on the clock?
11:03
